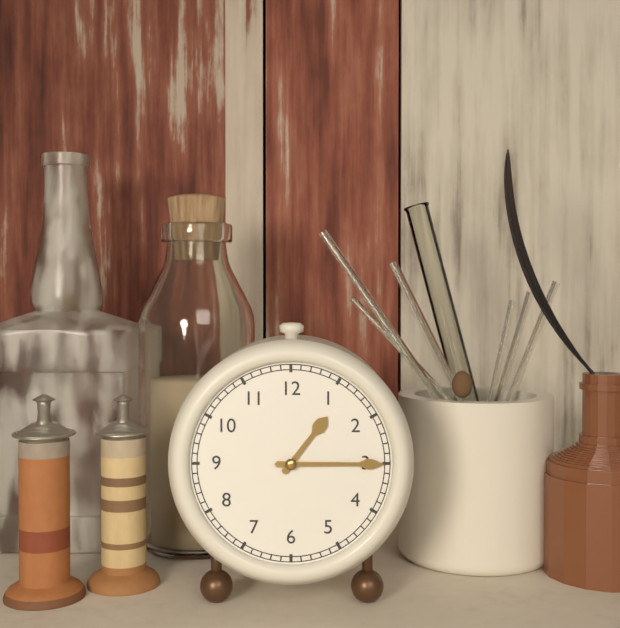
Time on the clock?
1:15
